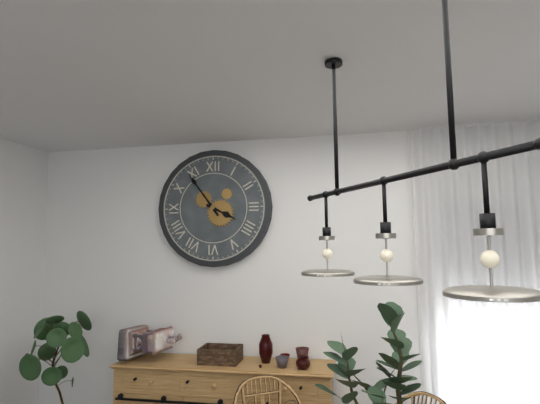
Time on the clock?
3:54
